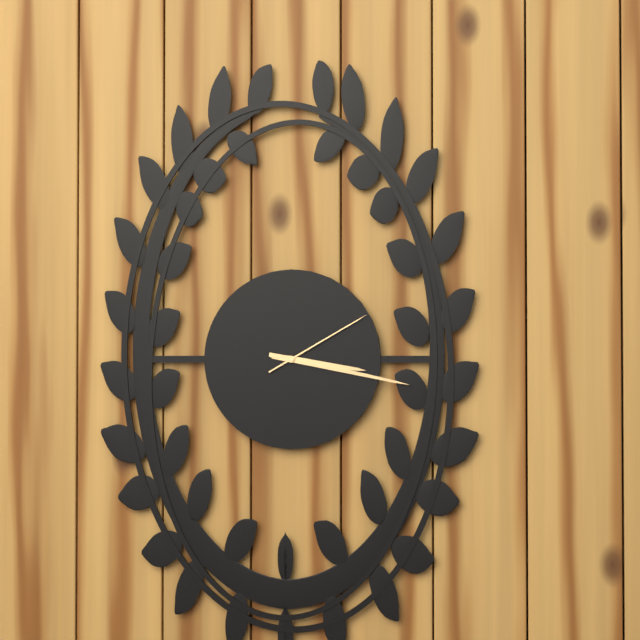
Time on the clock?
3:17:10
